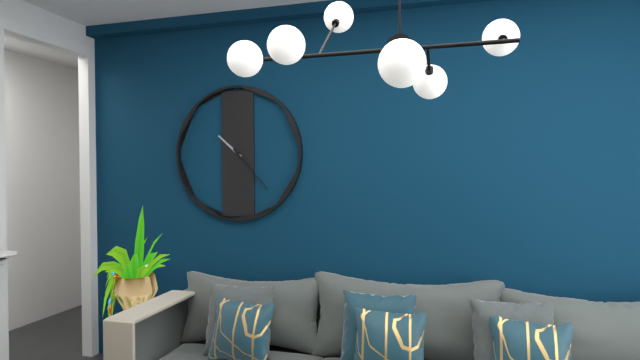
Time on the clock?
10:23
